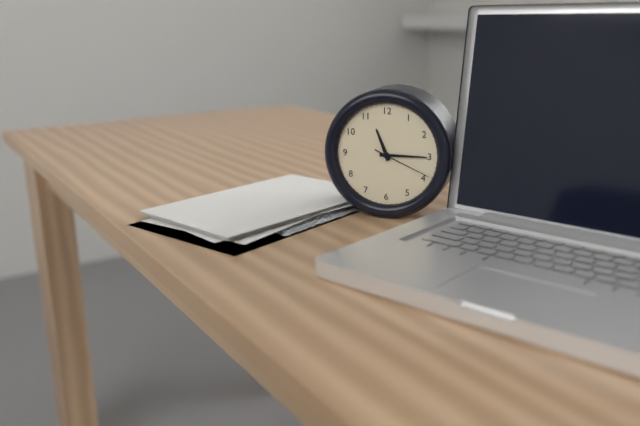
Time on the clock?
11:15:19
